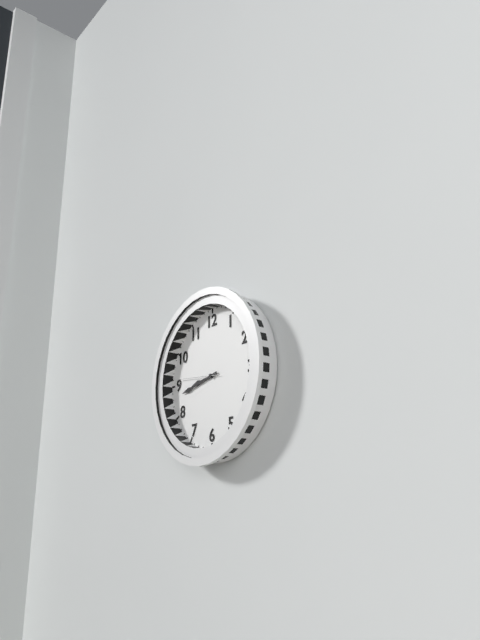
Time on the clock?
8:43
